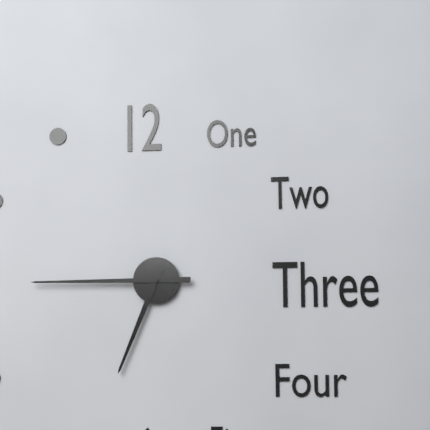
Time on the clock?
6:45
